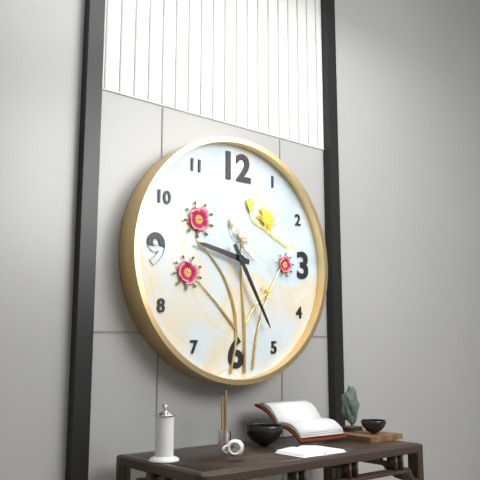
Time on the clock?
9:25
